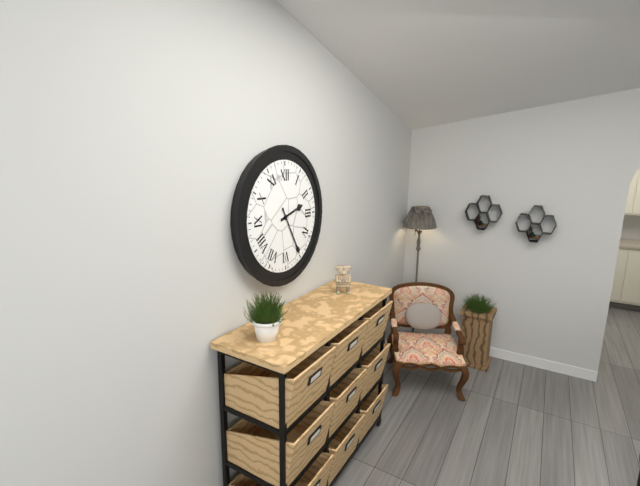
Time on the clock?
2:25
